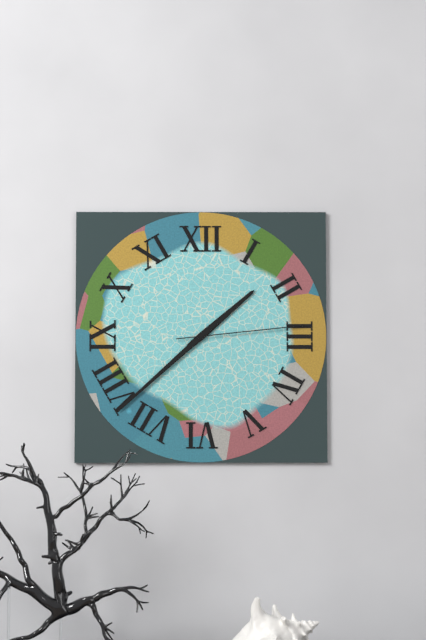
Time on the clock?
1:38:14
